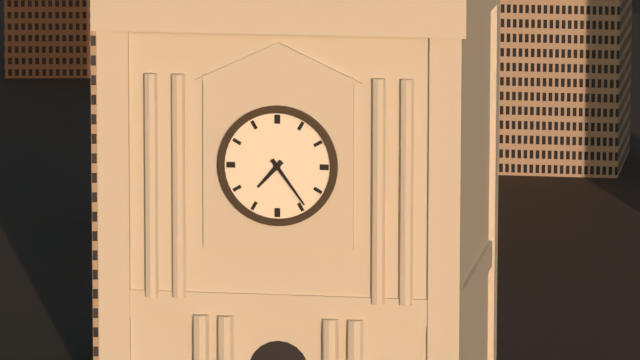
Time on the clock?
7:24
